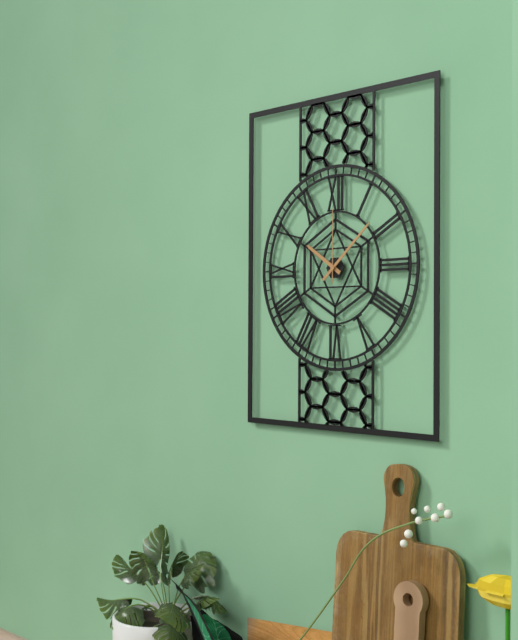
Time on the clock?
10:08:00
